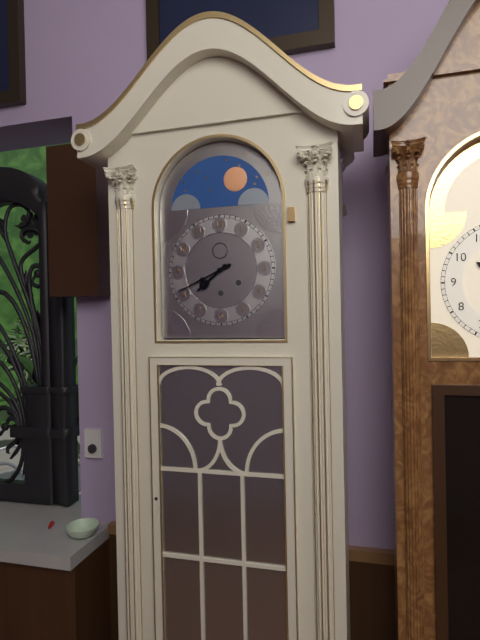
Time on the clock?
7:41
